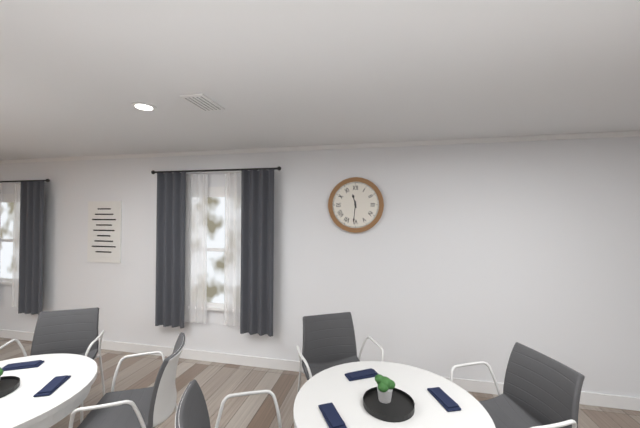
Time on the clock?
11:31
